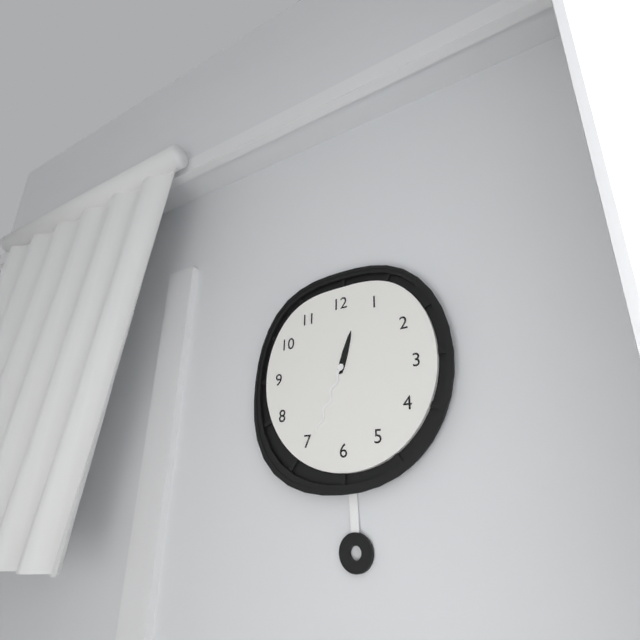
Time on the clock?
12:34
